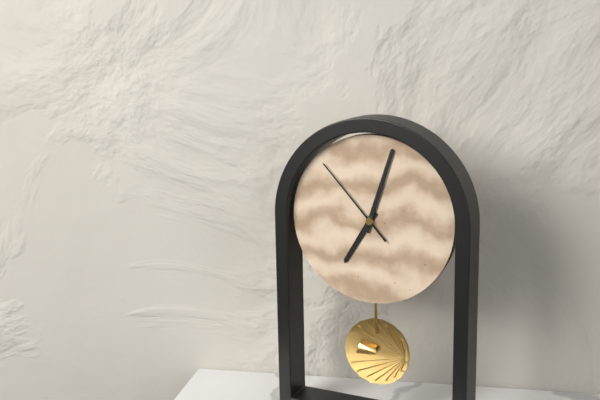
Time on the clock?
7:03:53
